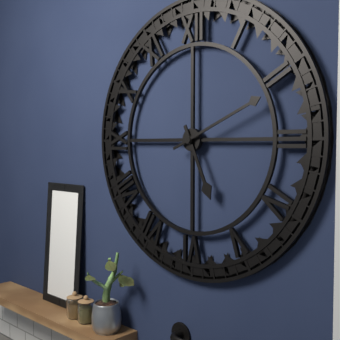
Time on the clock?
5:11
